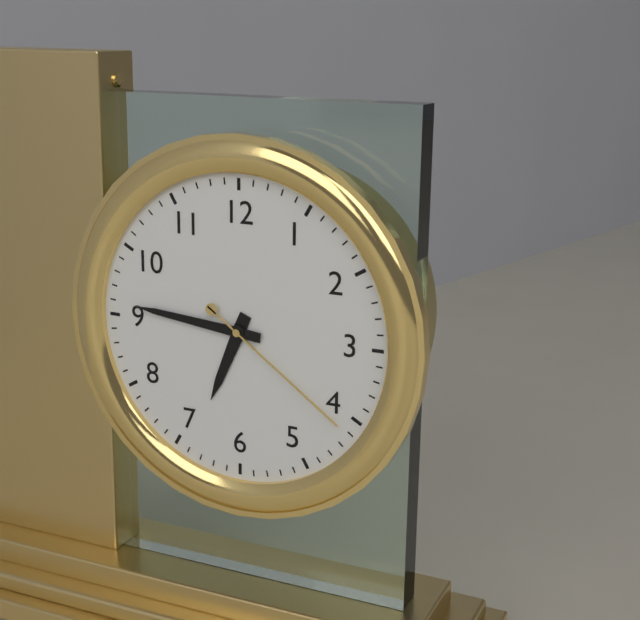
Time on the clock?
6:46:21
